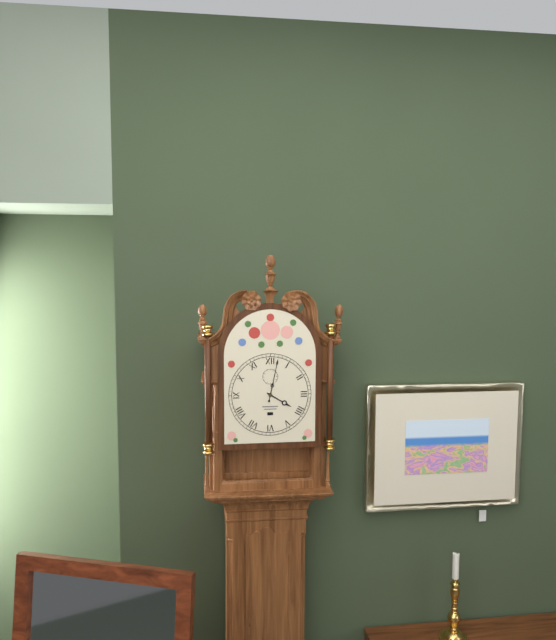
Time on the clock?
4:02
